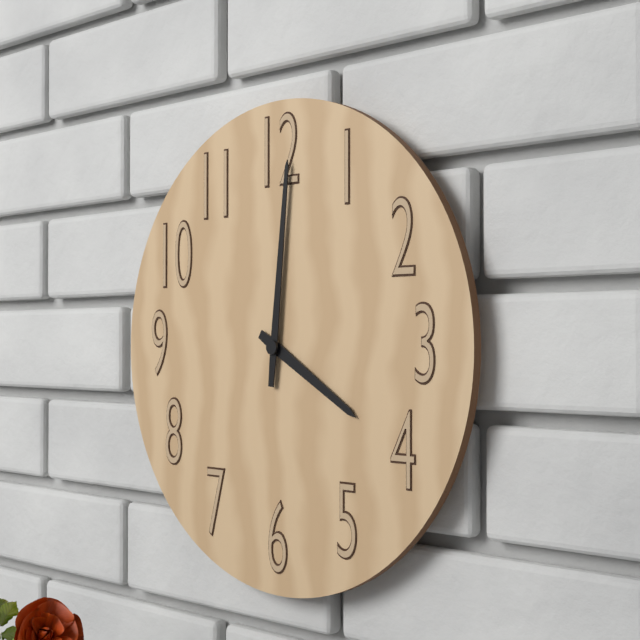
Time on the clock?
4:01
